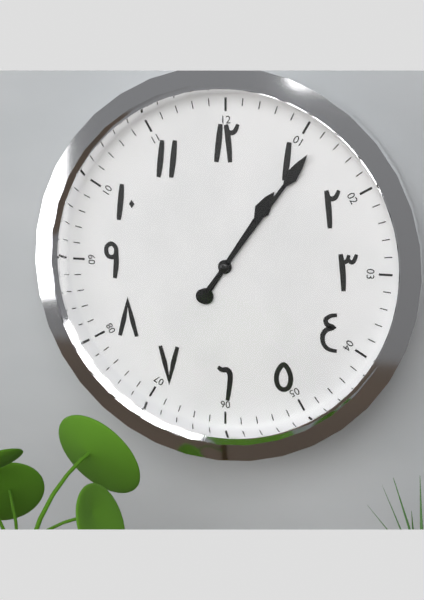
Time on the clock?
1:06
